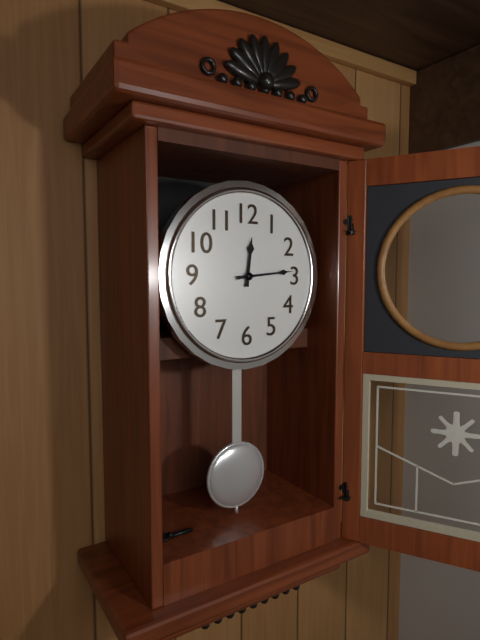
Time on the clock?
12:14
